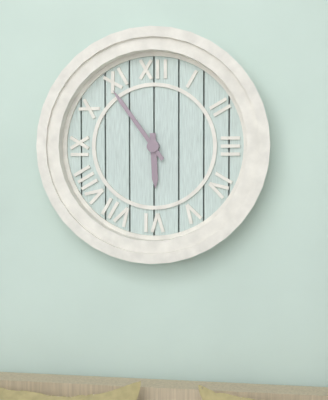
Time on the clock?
5:54
